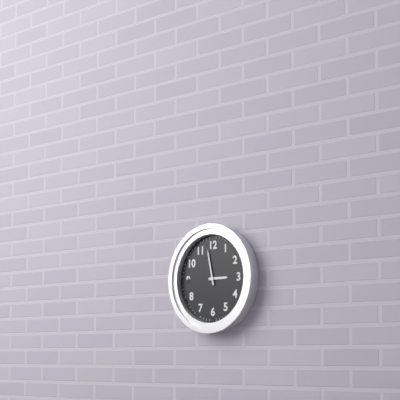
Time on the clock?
2:58
